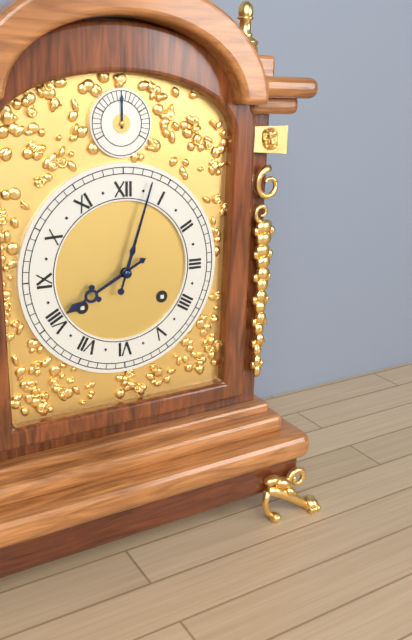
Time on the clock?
8:03
